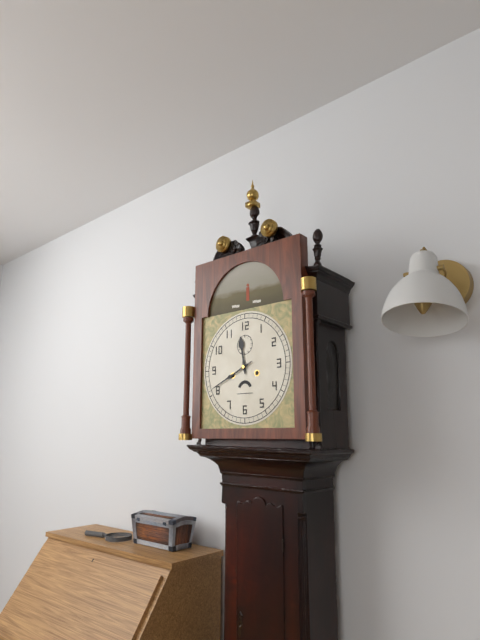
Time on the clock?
11:41
